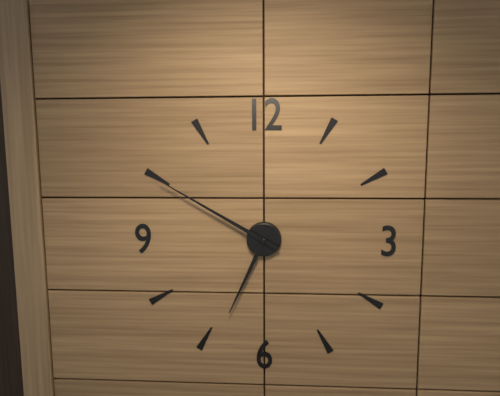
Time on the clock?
6:50
